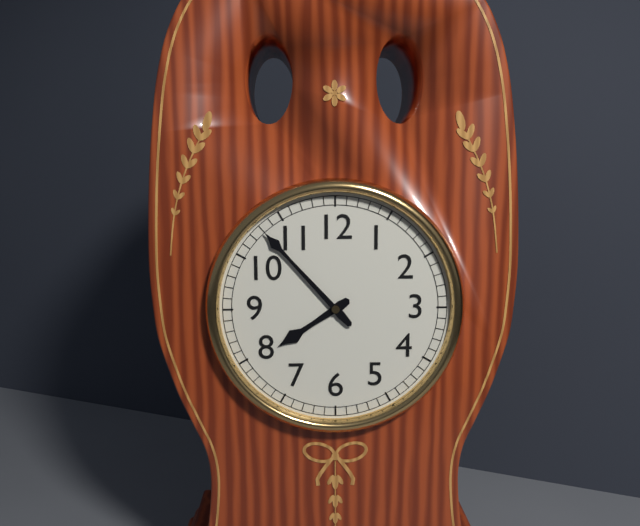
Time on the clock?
7:53
